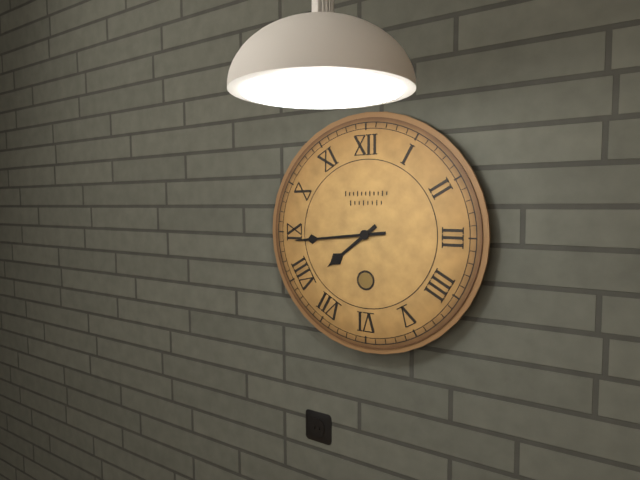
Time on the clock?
7:44
